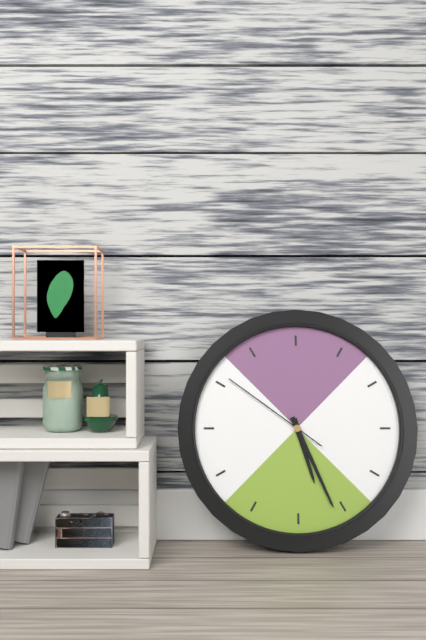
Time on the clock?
5:26:51
